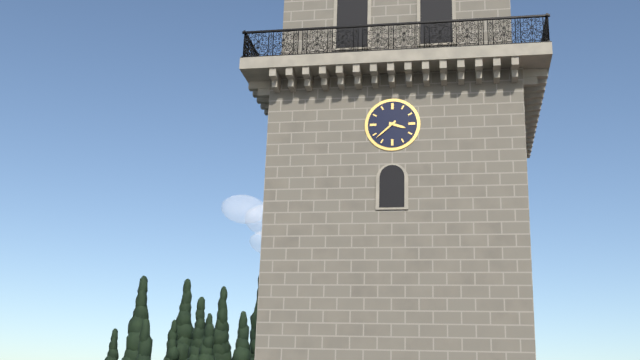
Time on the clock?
3:38
